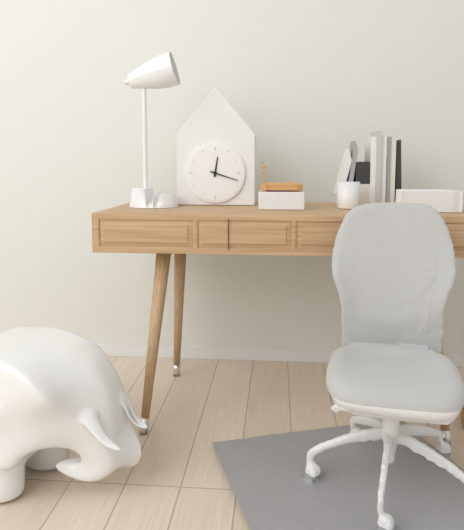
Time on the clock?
12:18
